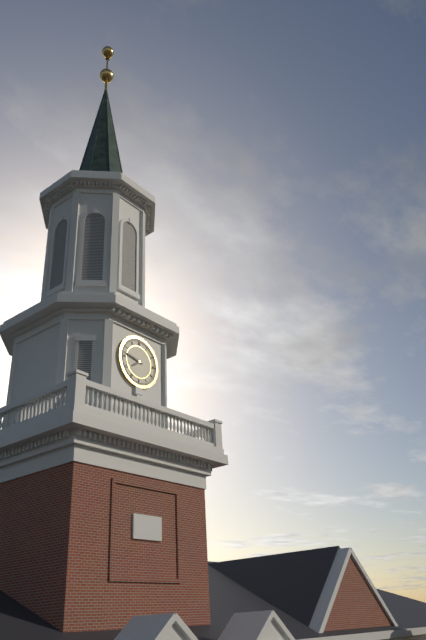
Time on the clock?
7:47
